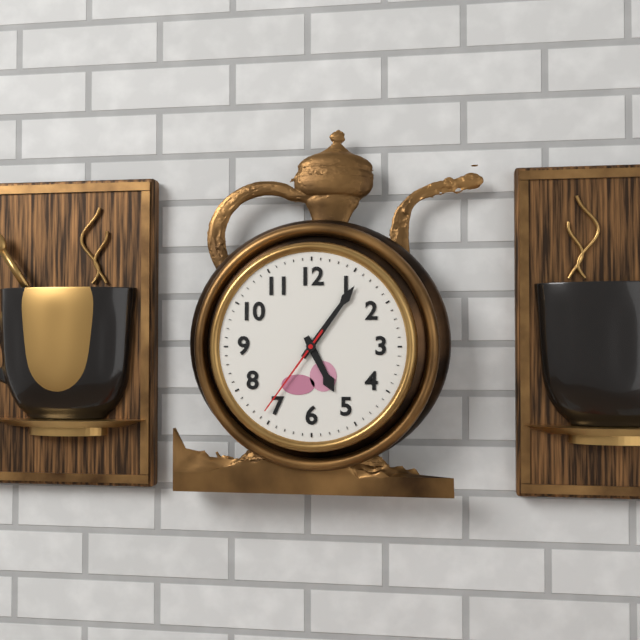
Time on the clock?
5:06:36
